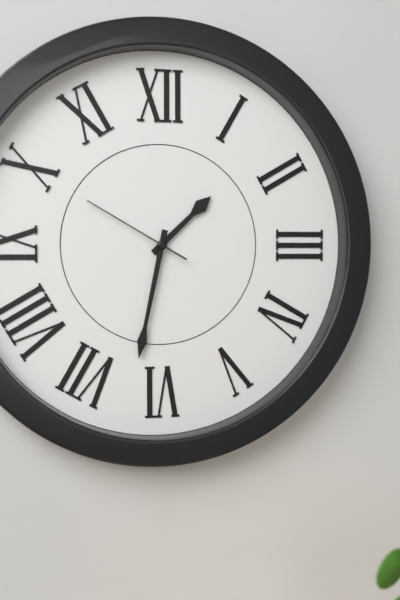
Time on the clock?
1:32:50
